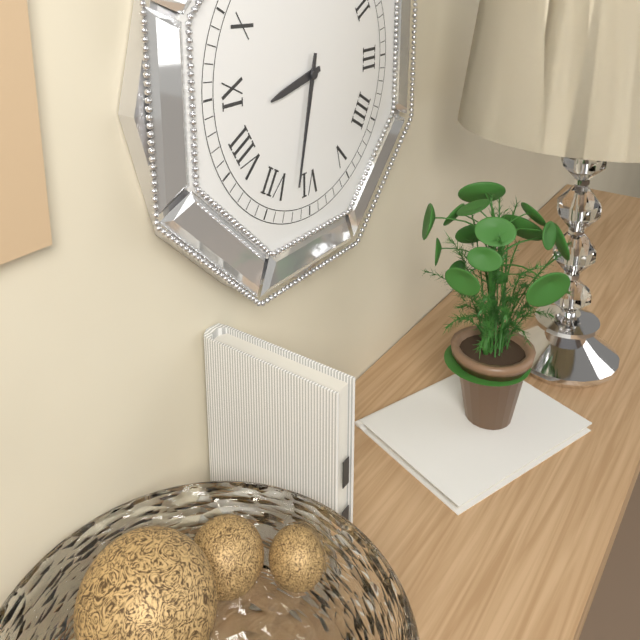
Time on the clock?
8:32
